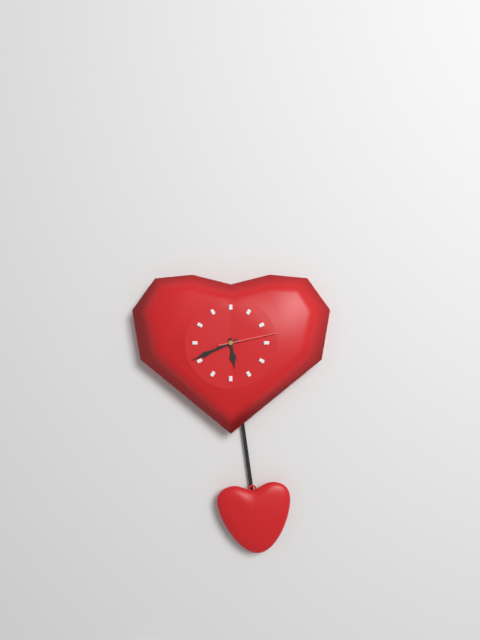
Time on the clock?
5:41:13
